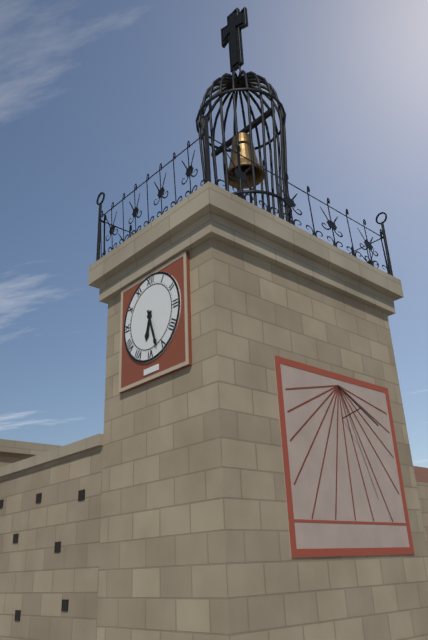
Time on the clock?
6:27
